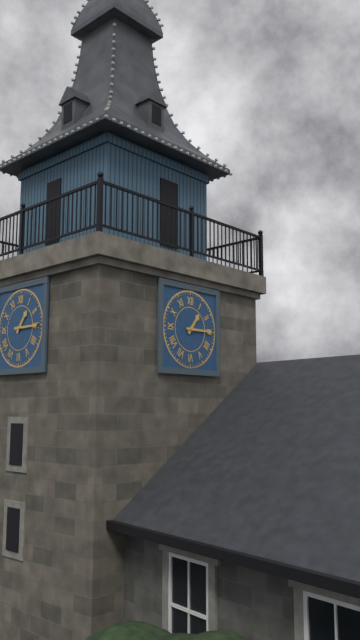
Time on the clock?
1:15
